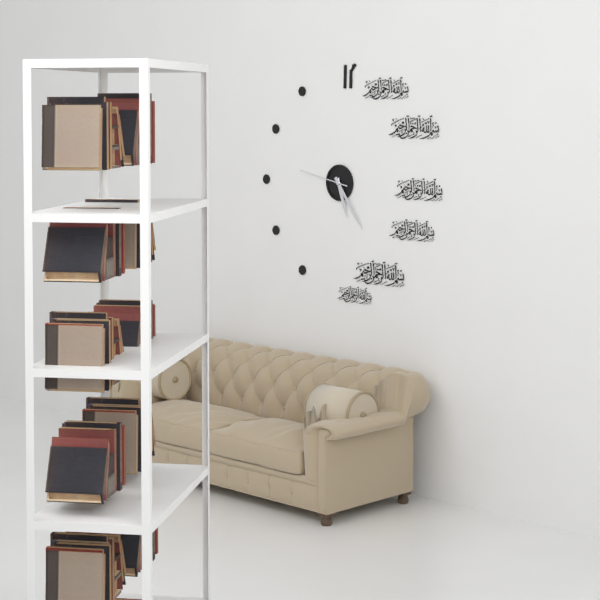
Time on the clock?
5:24:47
